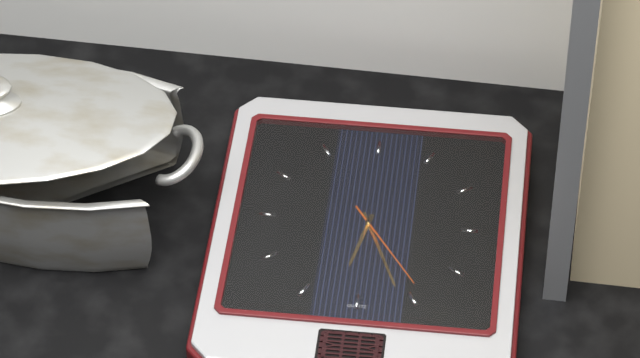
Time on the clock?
6:26:24
